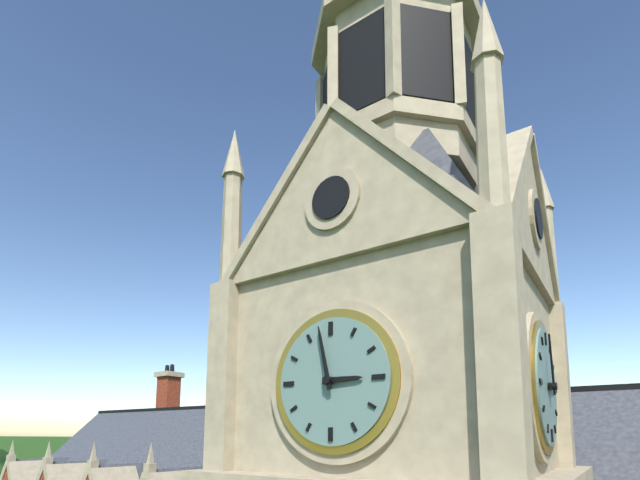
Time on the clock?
2:58
